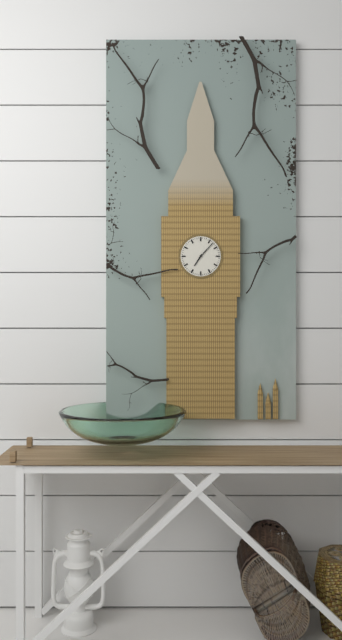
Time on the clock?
7:07
